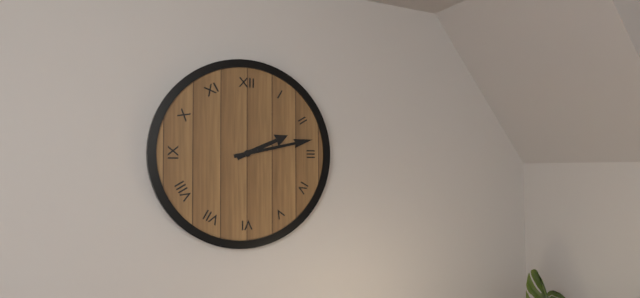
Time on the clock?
2:13
